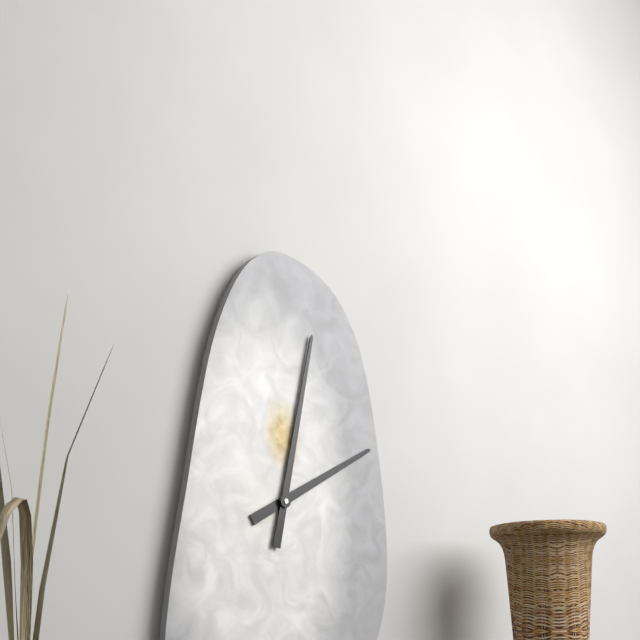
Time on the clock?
2:02
